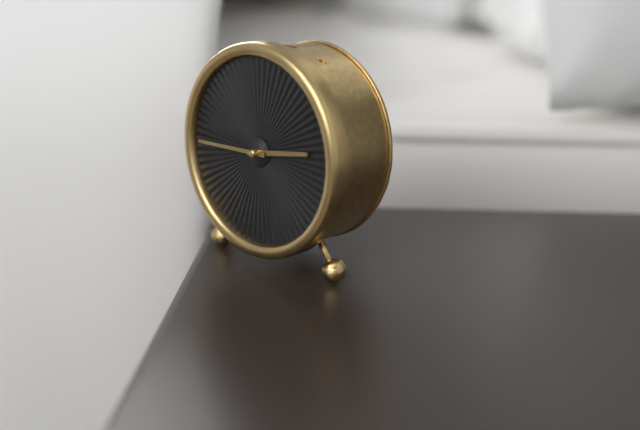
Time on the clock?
2:45
